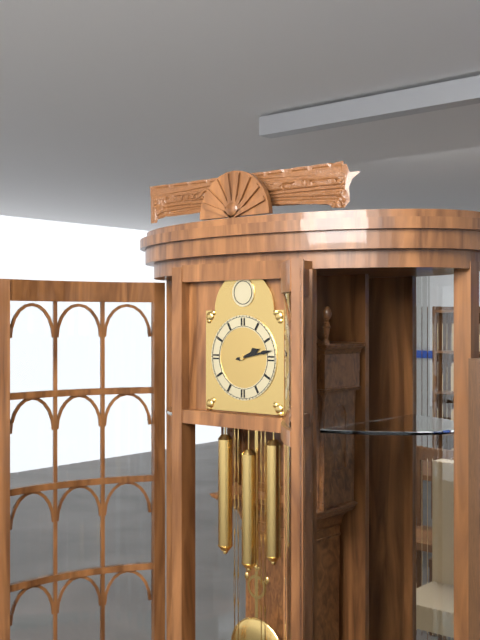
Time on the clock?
2:13
